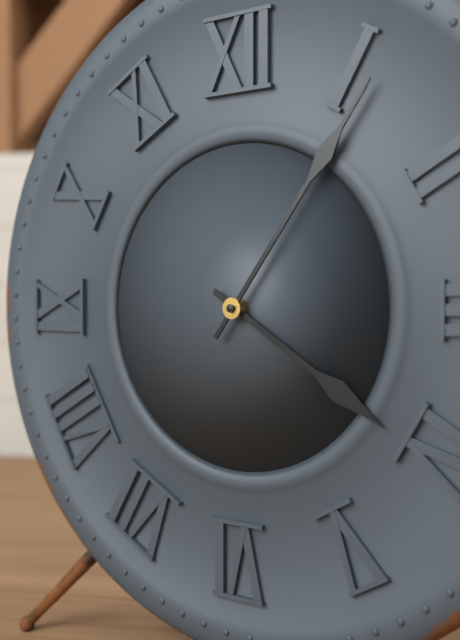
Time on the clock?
4:06
